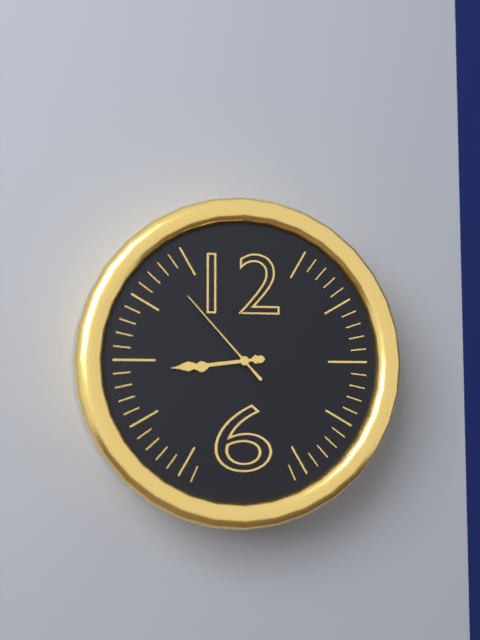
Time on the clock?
8:44:53
